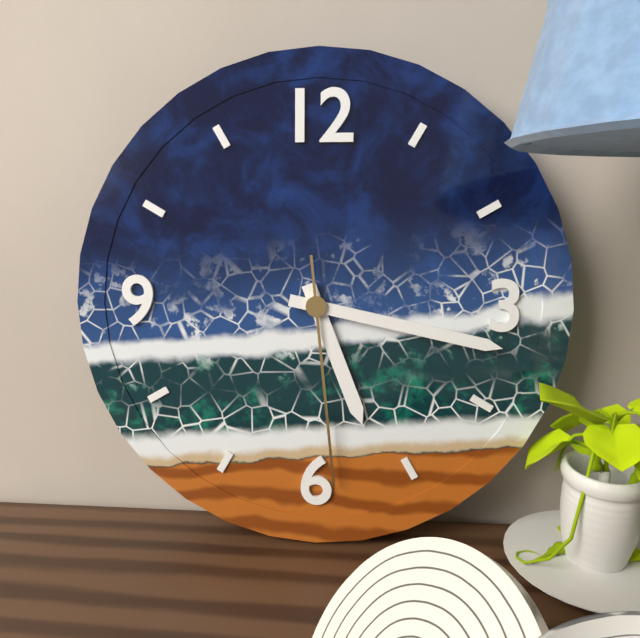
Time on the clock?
5:17:29
